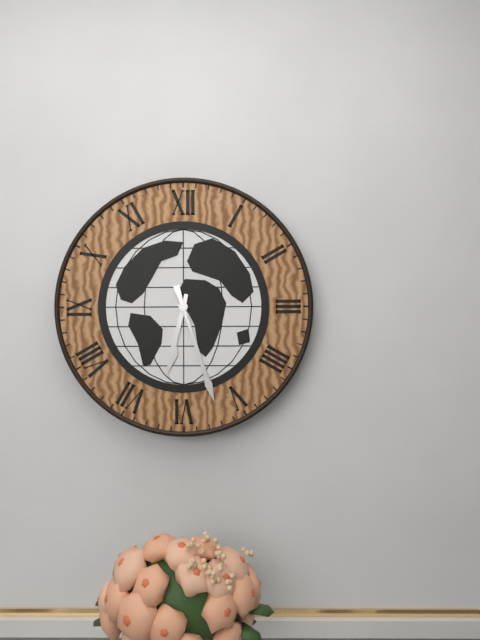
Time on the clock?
6:27
